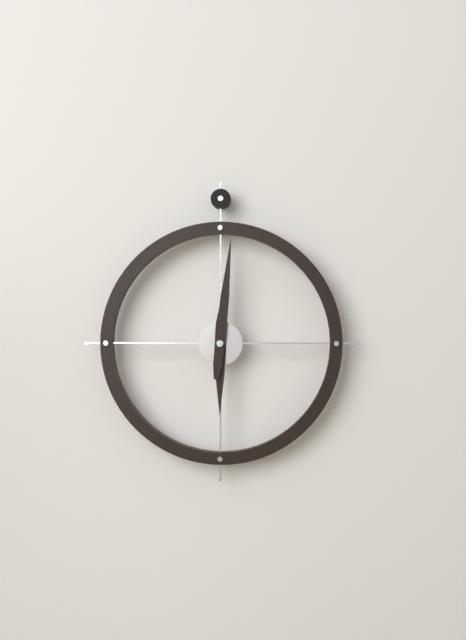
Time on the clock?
6:01
